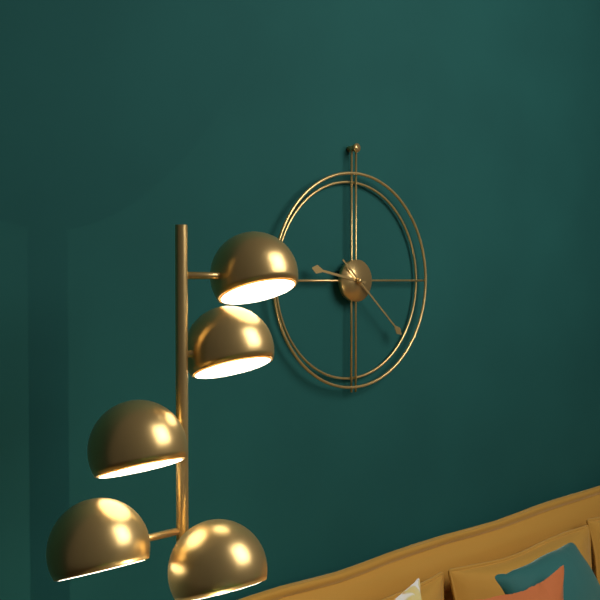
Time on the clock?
9:22
